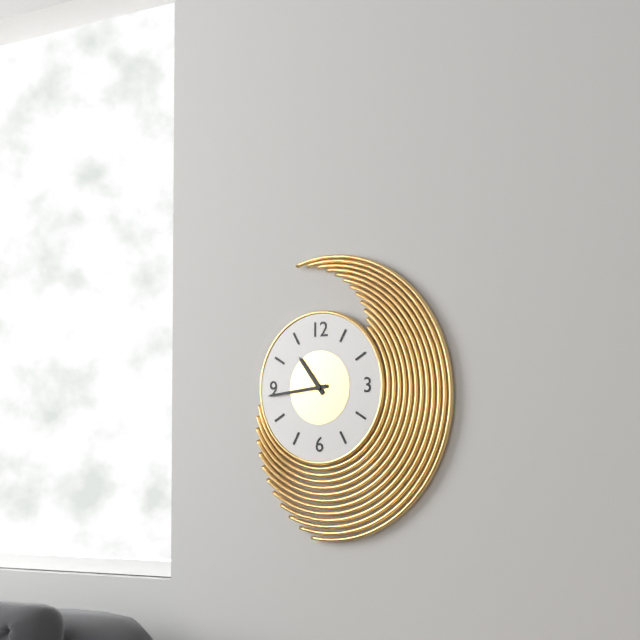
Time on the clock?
10:44
